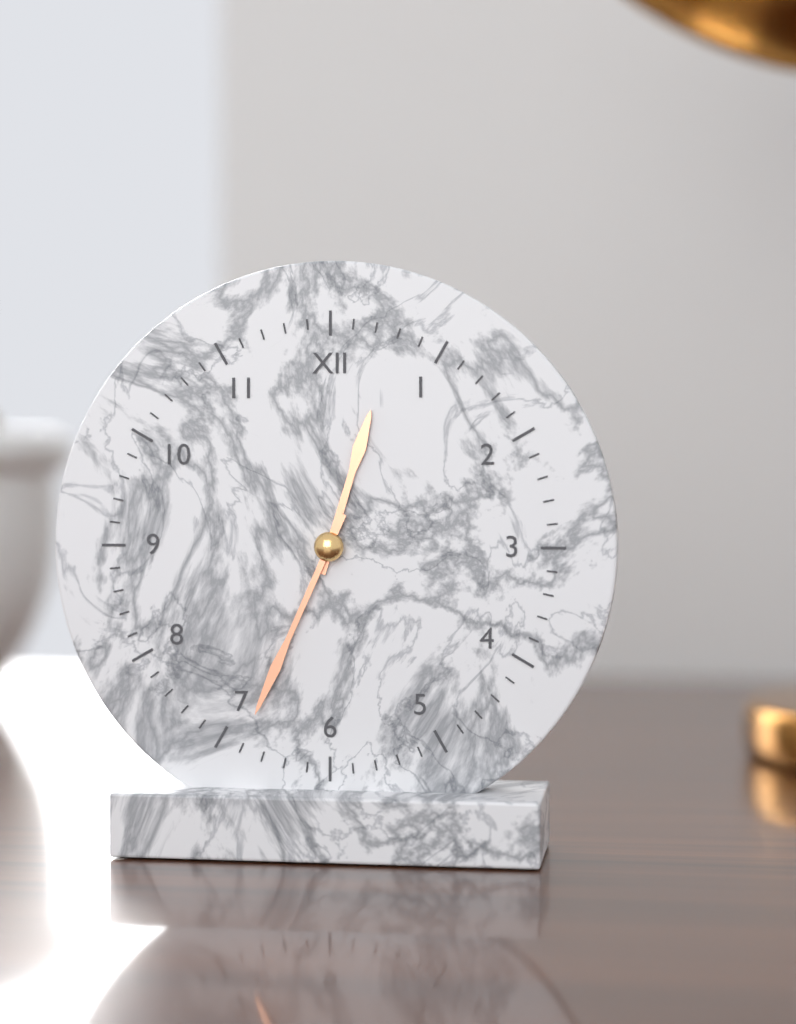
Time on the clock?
12:34
